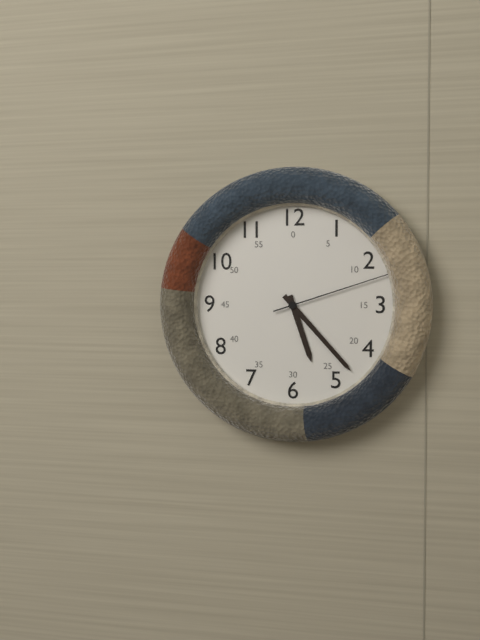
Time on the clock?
5:23:12
